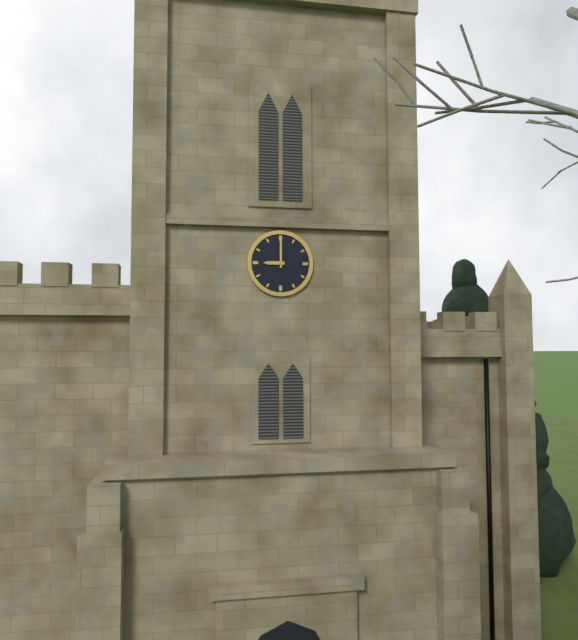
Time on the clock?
9:00
